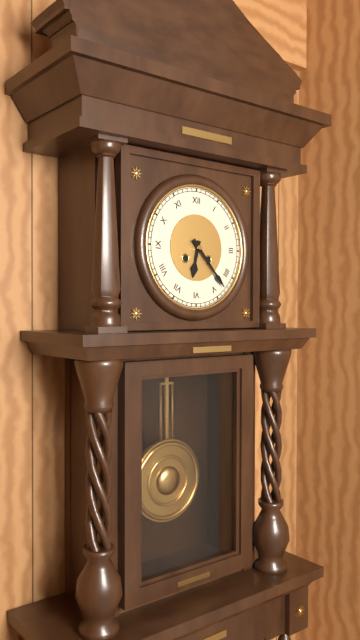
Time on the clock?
6:23
